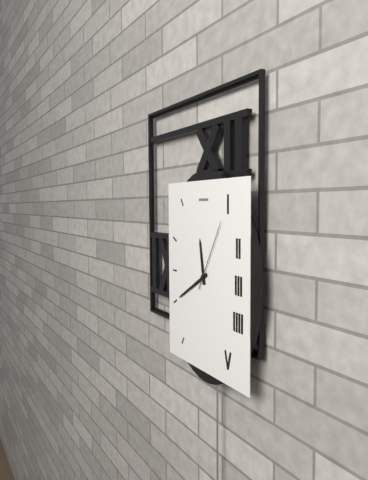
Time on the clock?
11:40:05
